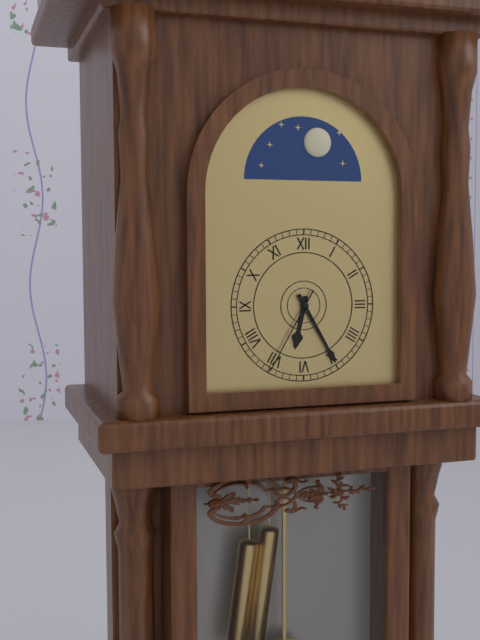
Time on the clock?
6:25:35
